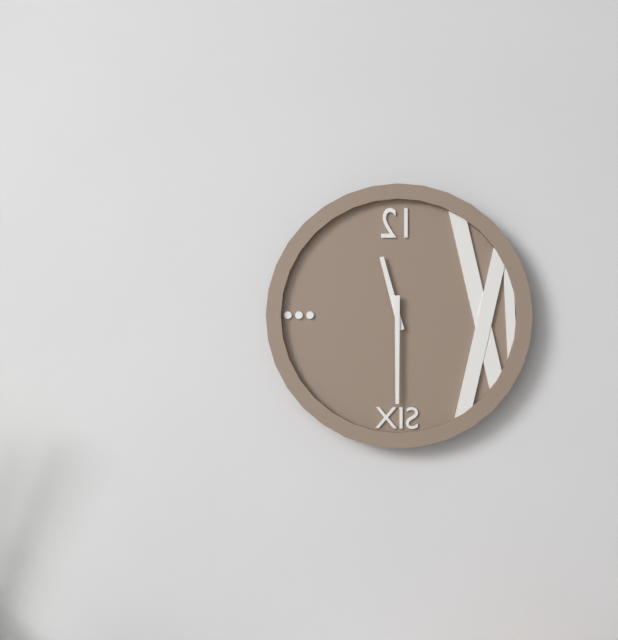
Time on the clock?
11:30
